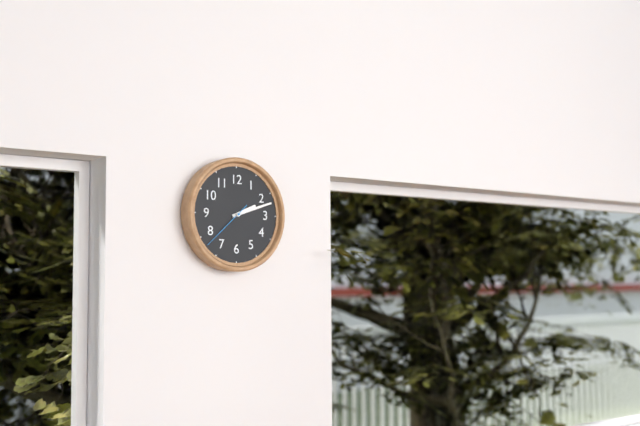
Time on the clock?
2:12:38
